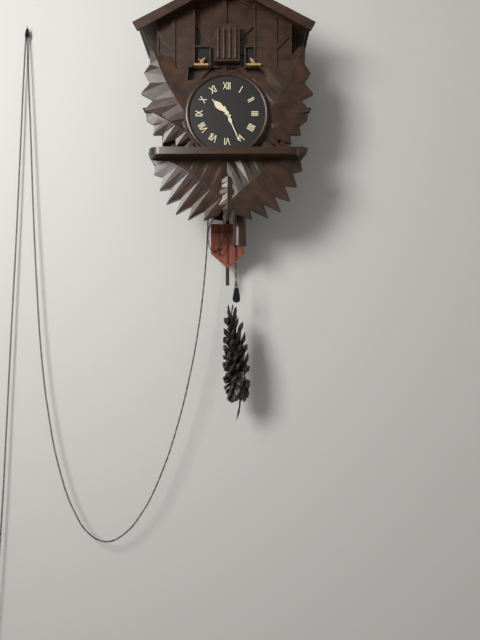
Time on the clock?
10:26
